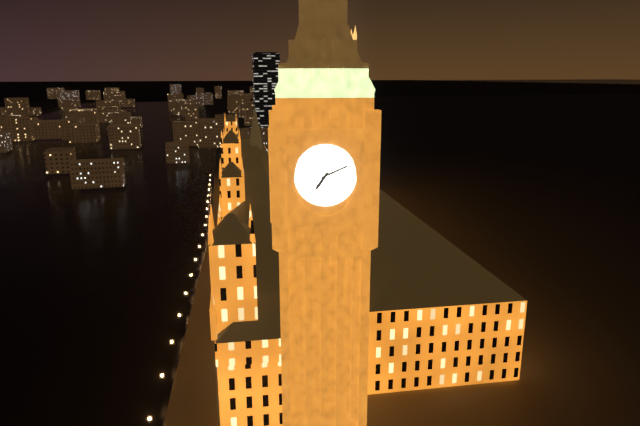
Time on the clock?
7:11
